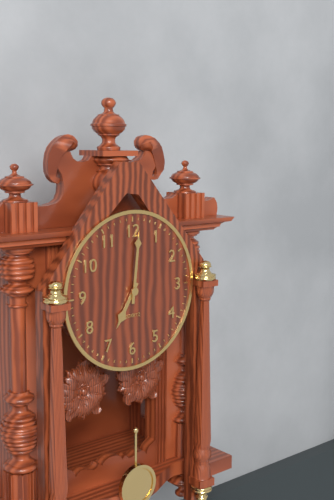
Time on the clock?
7:01
